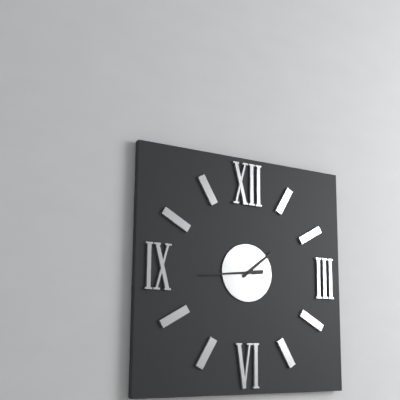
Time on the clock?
1:44
